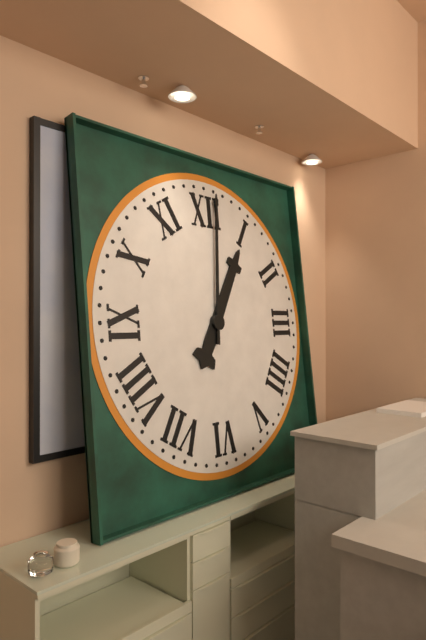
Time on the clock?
1:01
